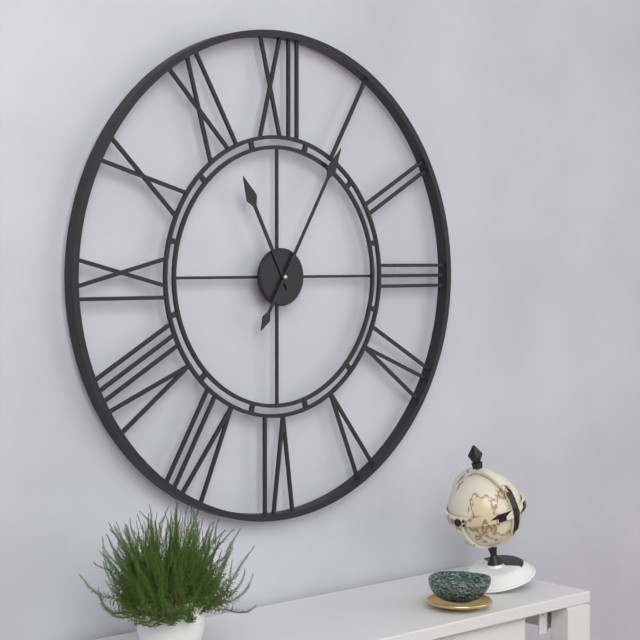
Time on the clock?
11:05
